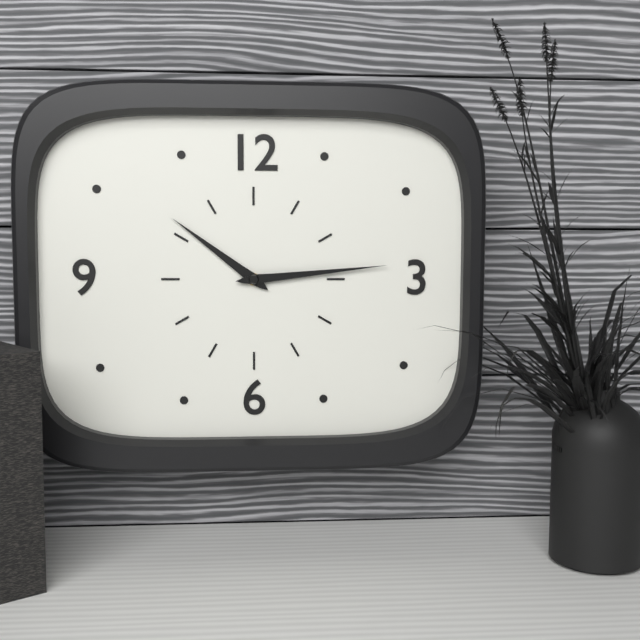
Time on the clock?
10:14
